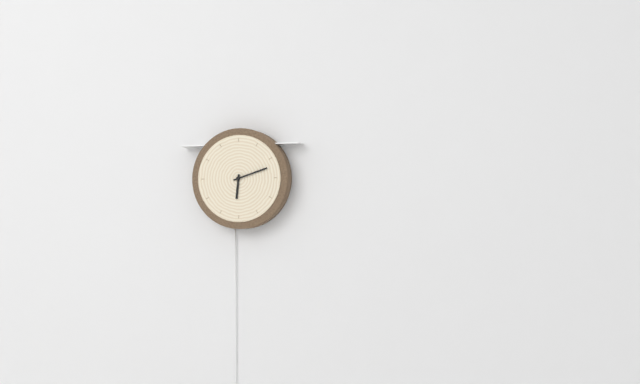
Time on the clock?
6:12
